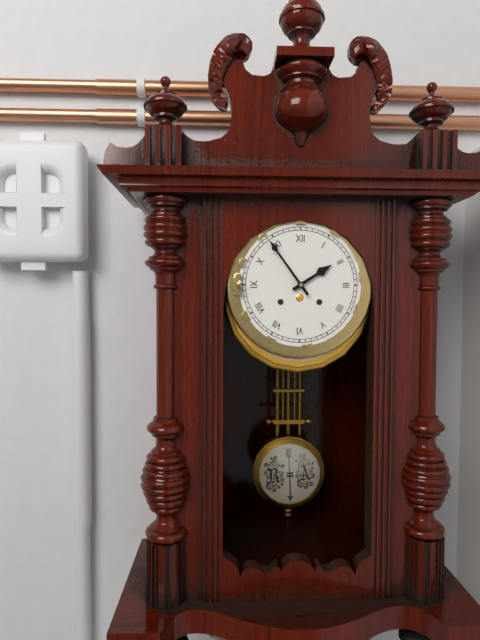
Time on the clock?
1:54
